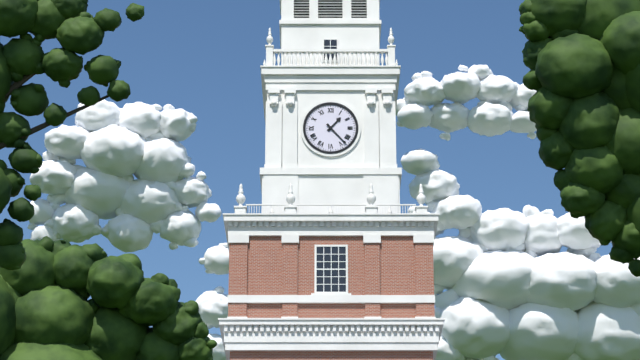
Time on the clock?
1:23
